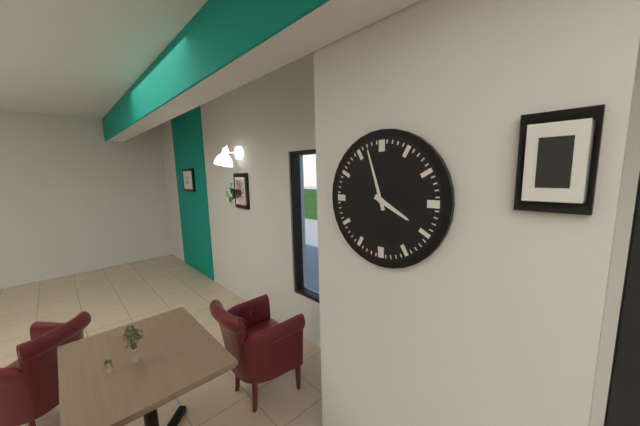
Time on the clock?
3:57
